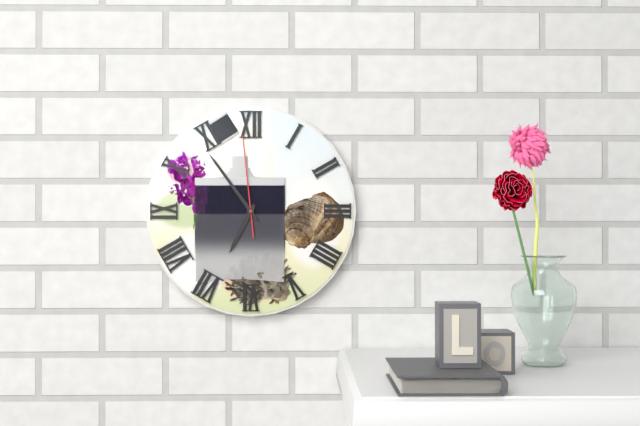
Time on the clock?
6:54:59
